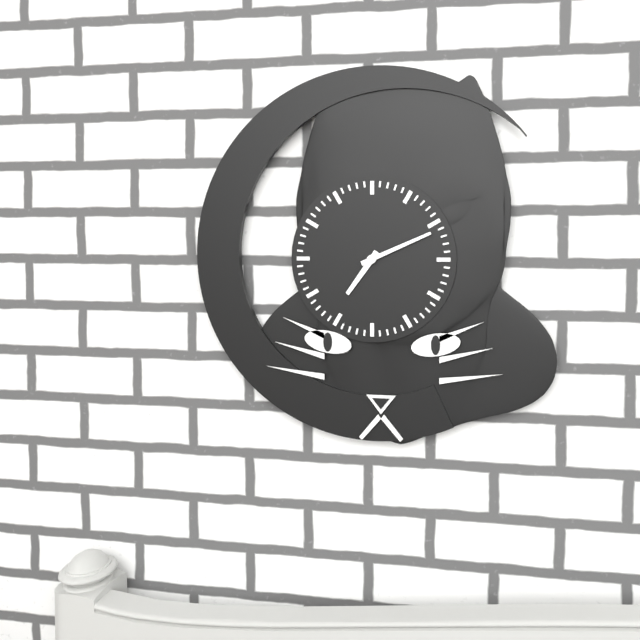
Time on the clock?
7:11
